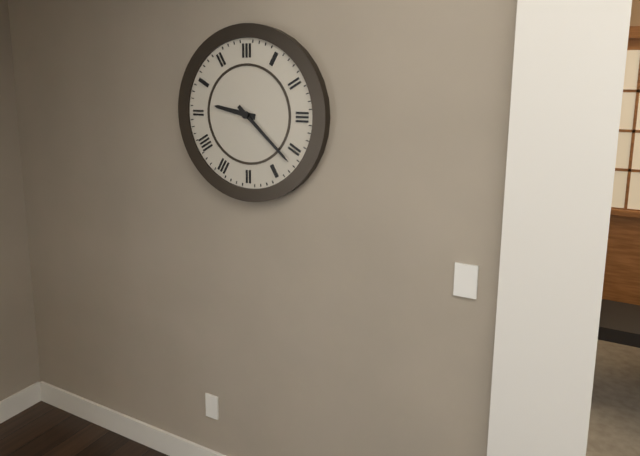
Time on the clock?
9:22
